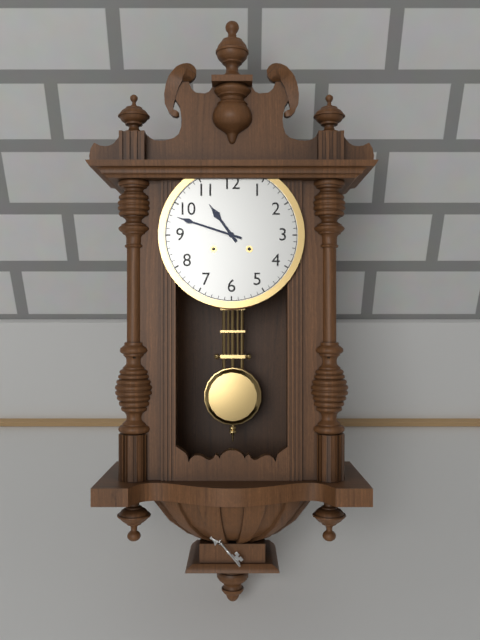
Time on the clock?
10:48
